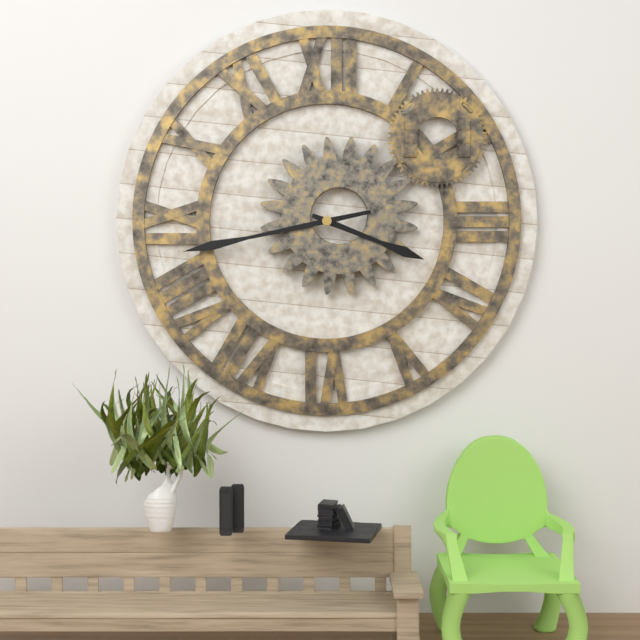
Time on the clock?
3:43
